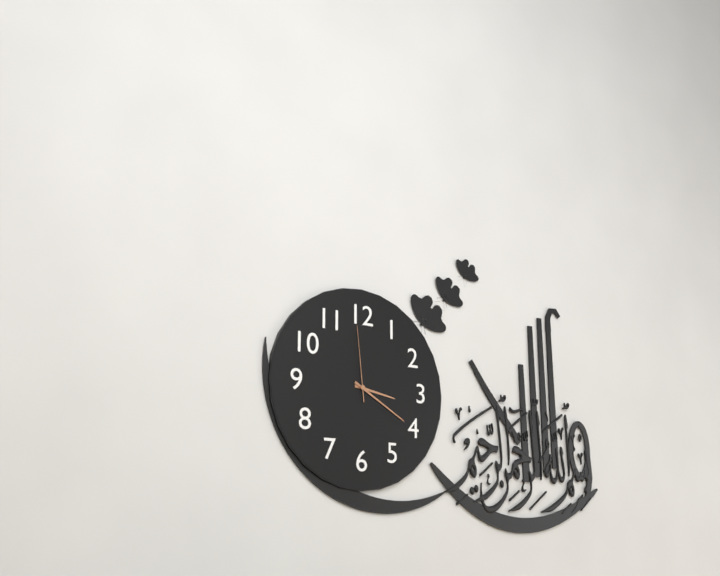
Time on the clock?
3:20:59
